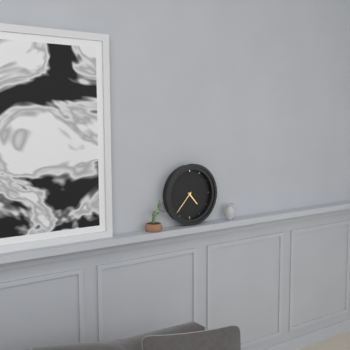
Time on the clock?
4:37
